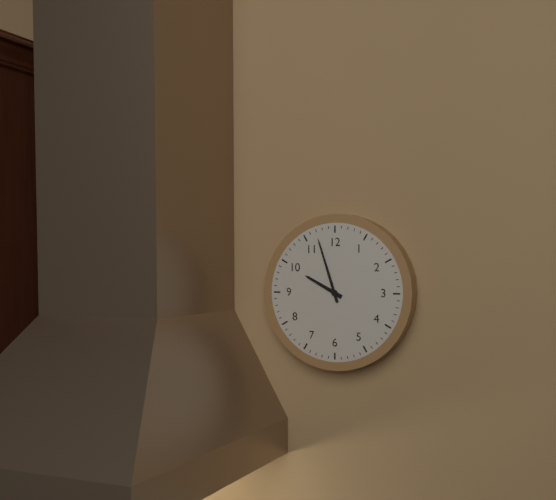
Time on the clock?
9:57
